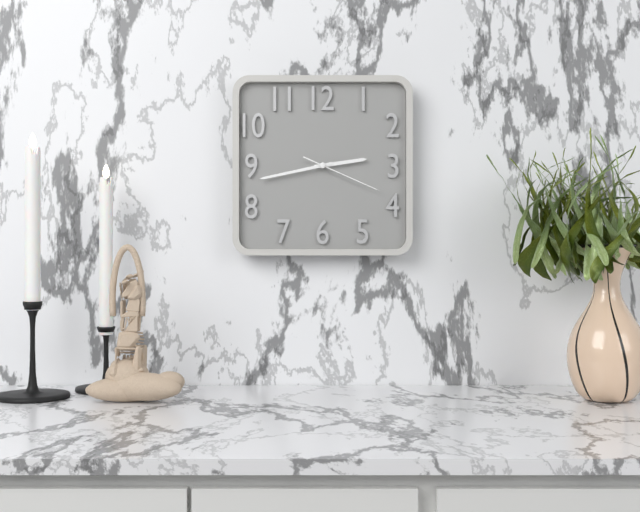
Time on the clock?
2:43:19
